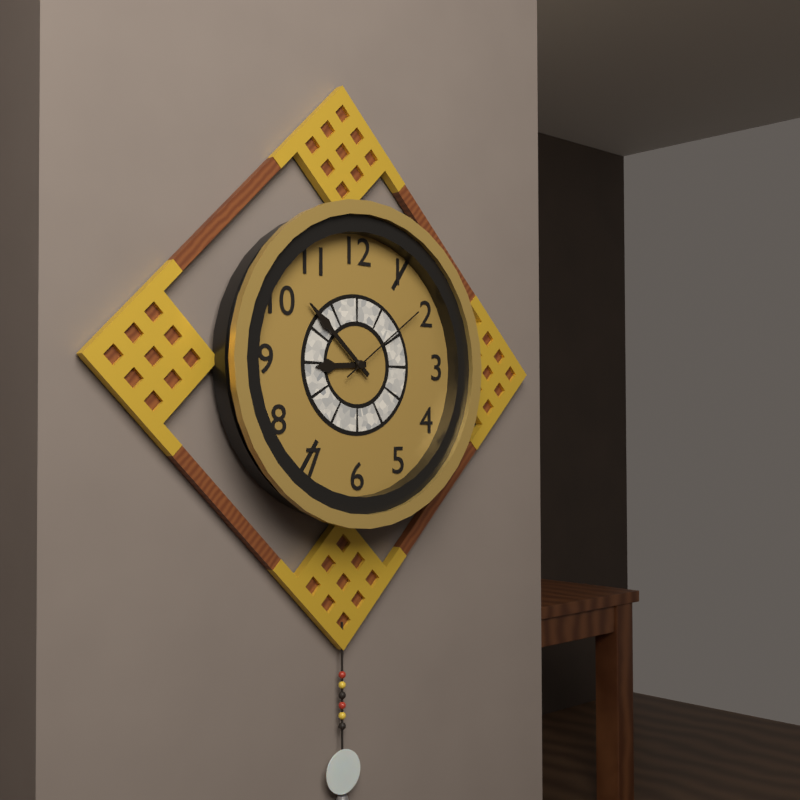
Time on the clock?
8:52:09
